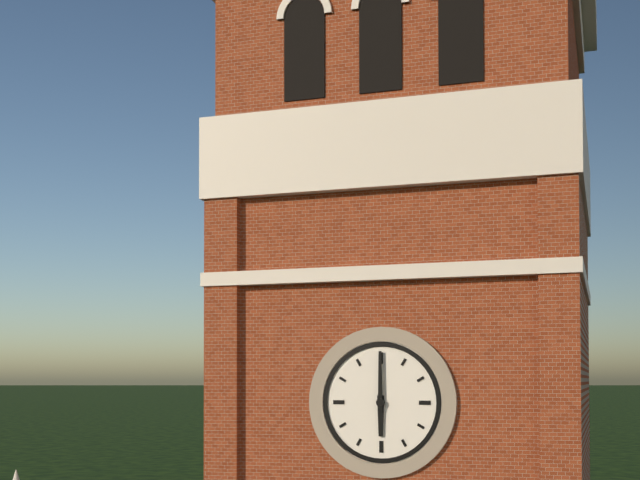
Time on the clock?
6:00
